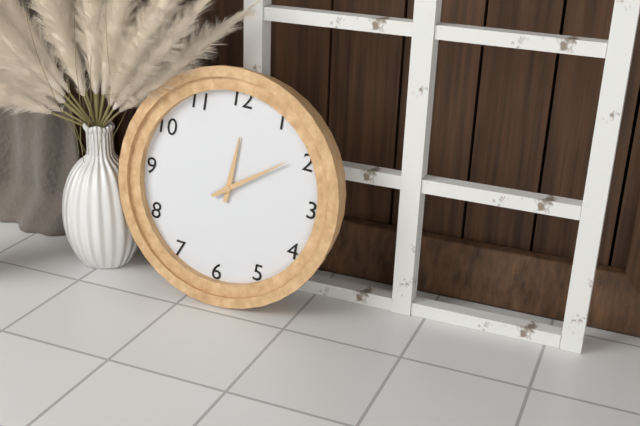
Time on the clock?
12:09
